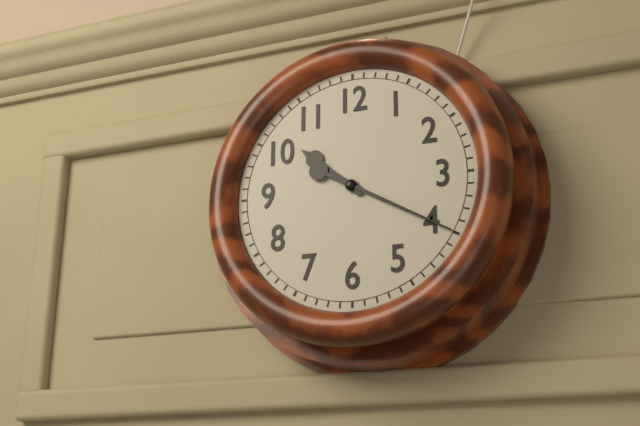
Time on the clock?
10:20
